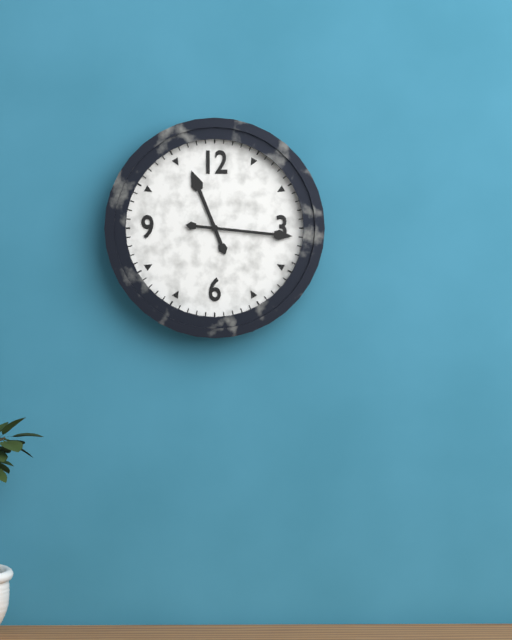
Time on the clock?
11:16
